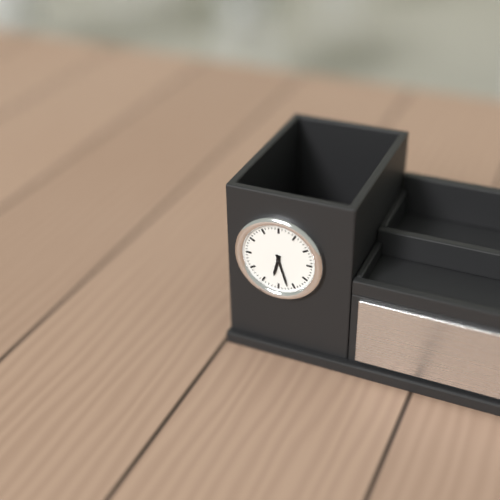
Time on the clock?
6:27
